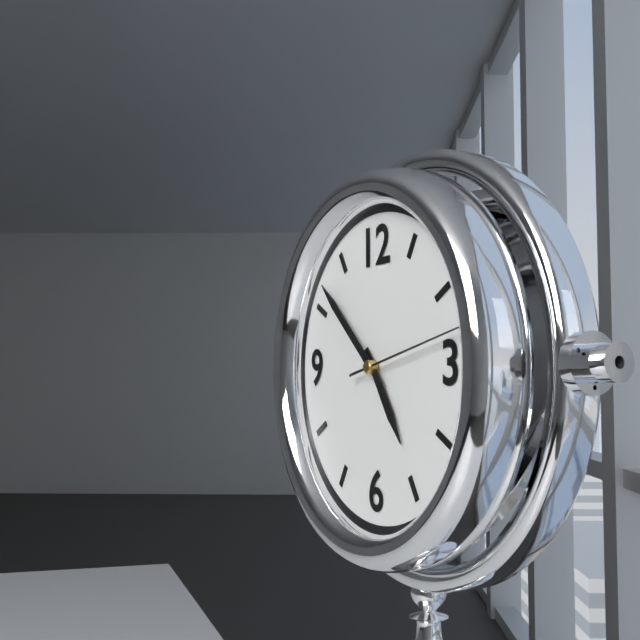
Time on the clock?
4:52:13
